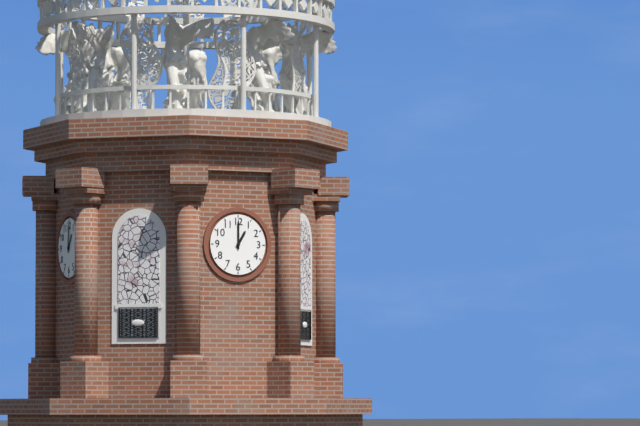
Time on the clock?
1:00
